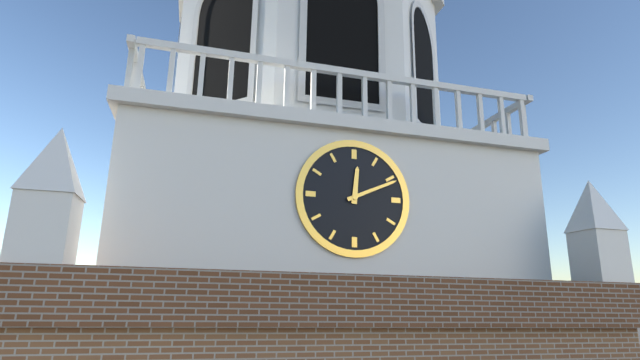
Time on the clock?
12:11
